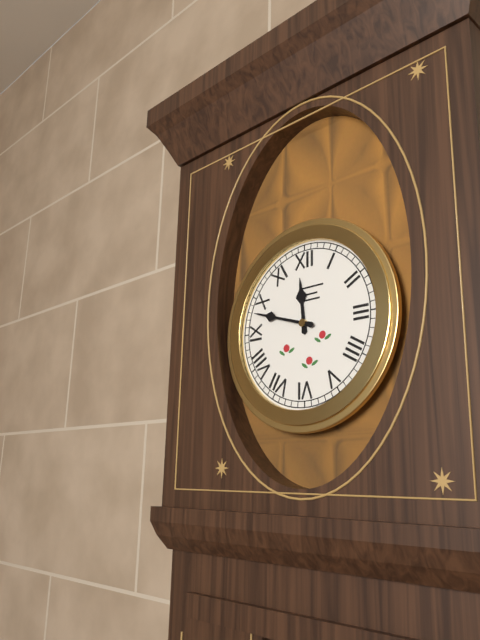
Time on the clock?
11:48
